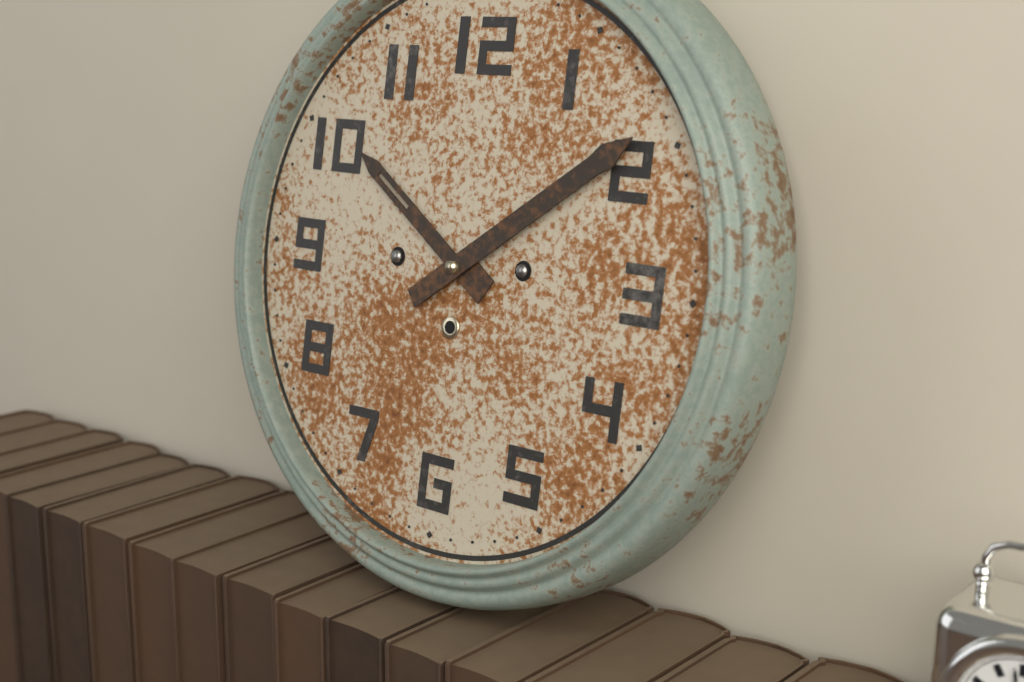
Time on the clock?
10:09
